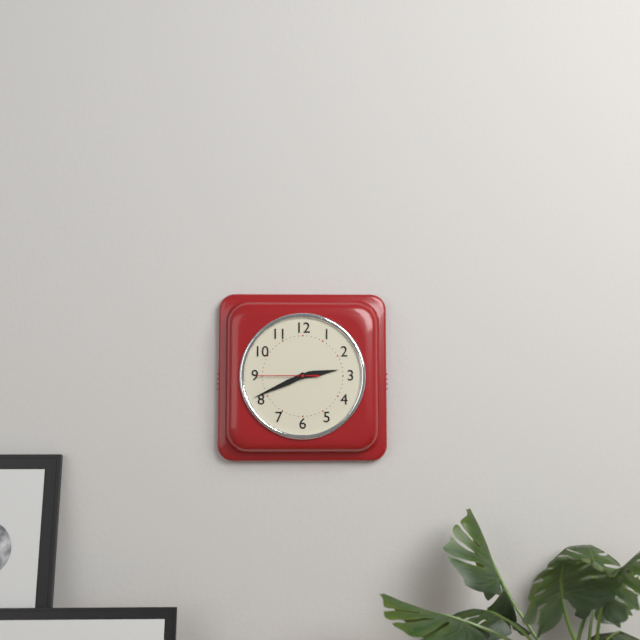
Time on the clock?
2:41:45
